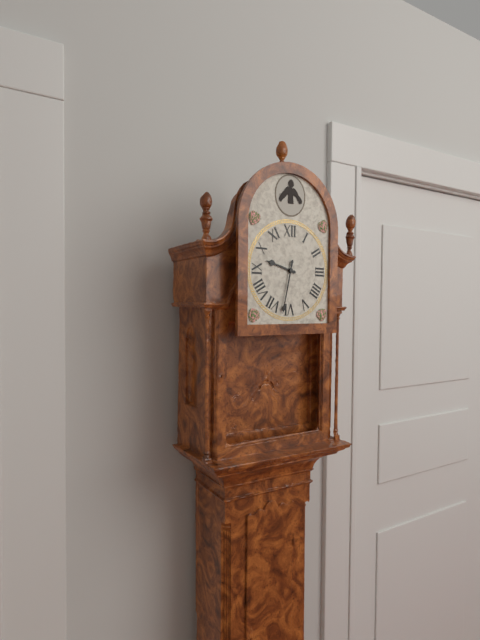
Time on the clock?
9:32
